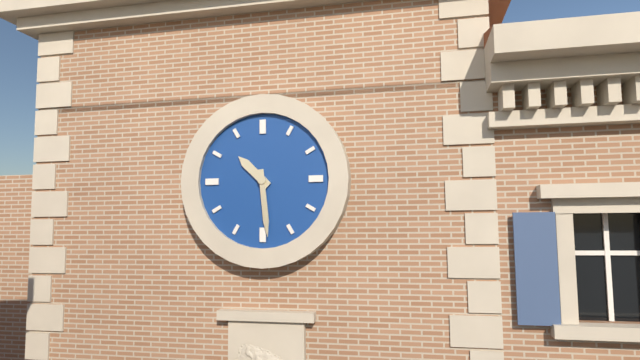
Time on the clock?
10:29
